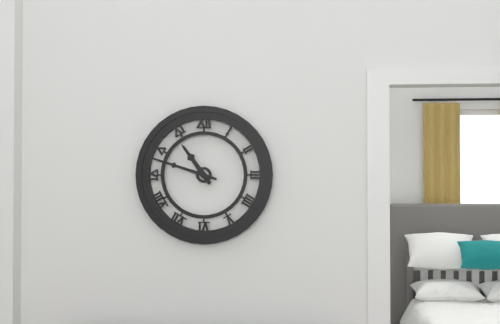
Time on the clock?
10:48
